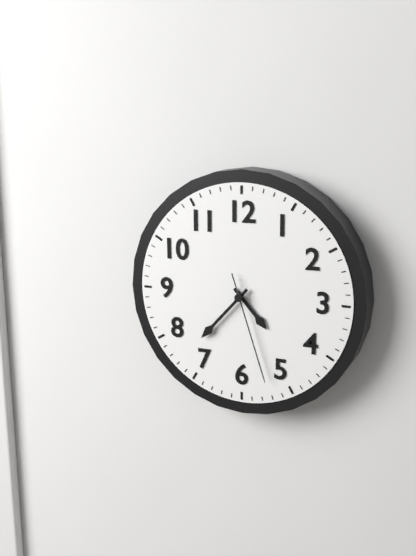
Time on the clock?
4:37:27
